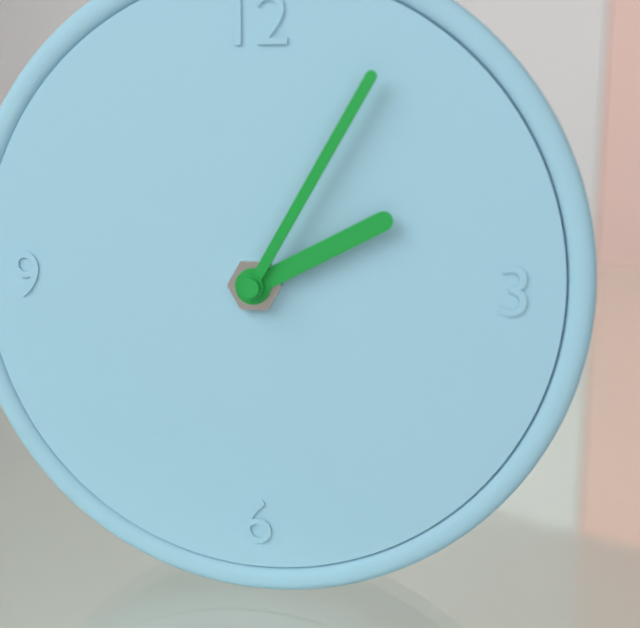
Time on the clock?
2:05
